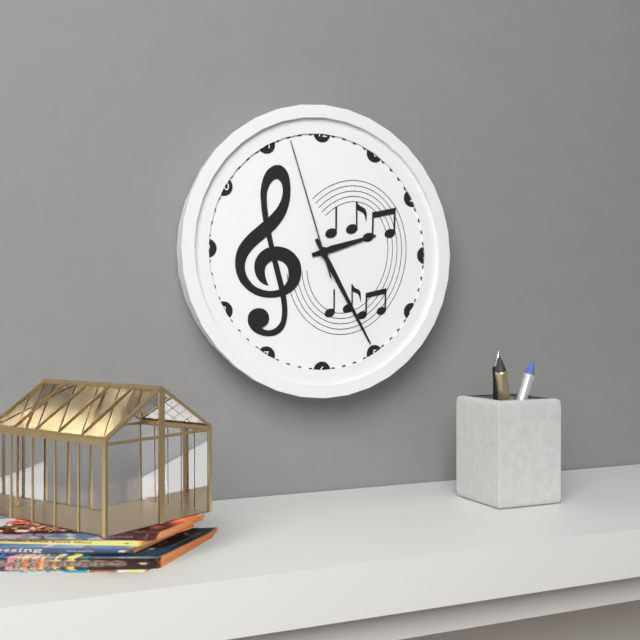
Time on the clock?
2:25:57
